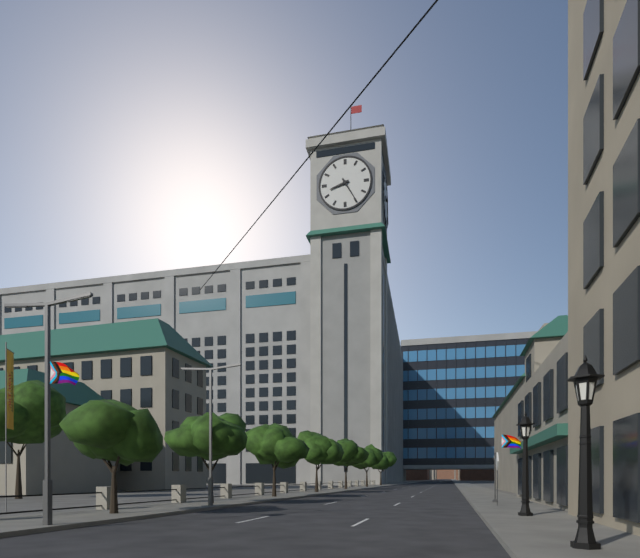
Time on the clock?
8:25
